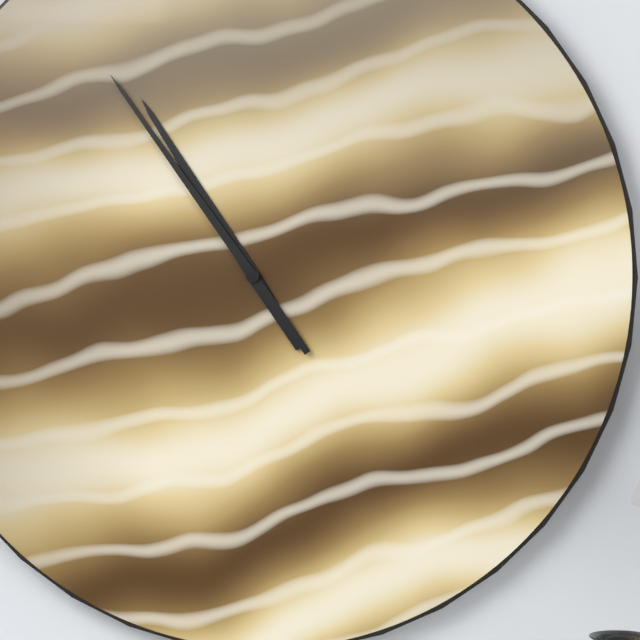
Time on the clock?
10:54
